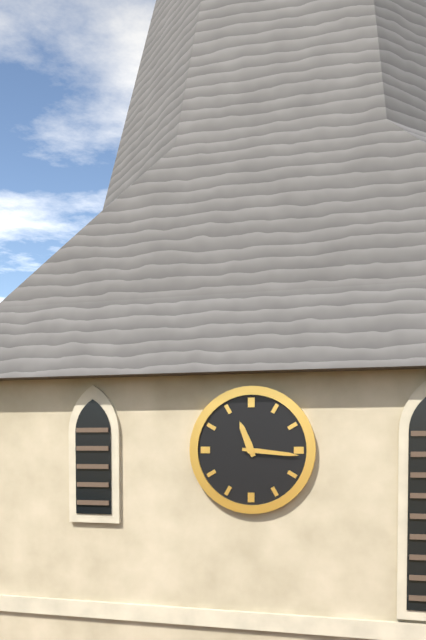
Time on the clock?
11:16
